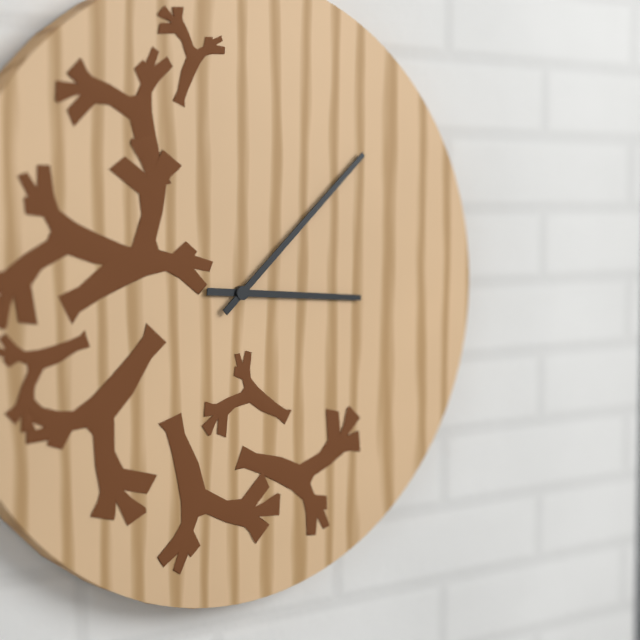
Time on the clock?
3:08
